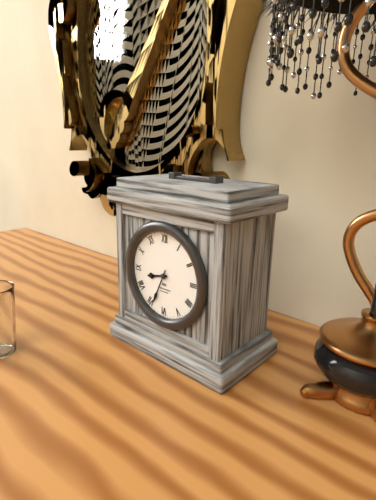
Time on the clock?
8:34
